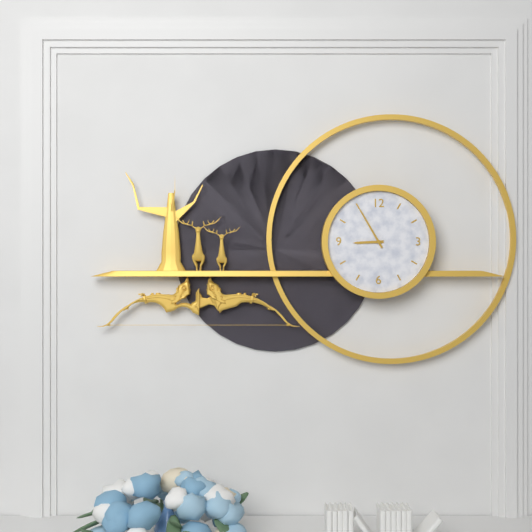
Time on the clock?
8:55
